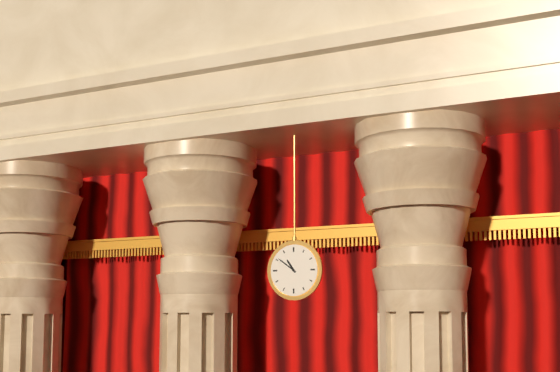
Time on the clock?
10:51
